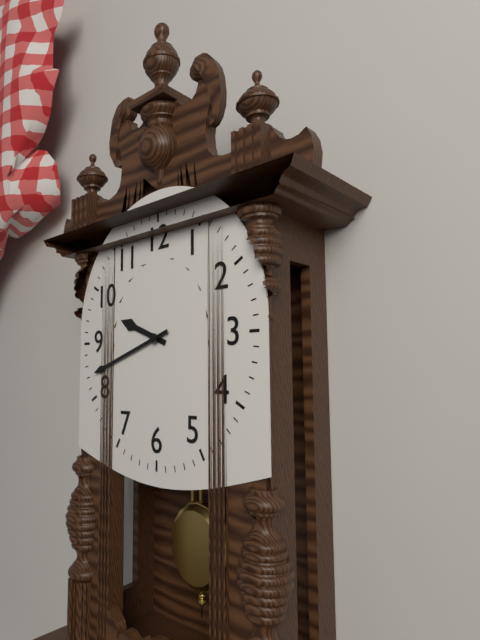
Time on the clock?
9:42
